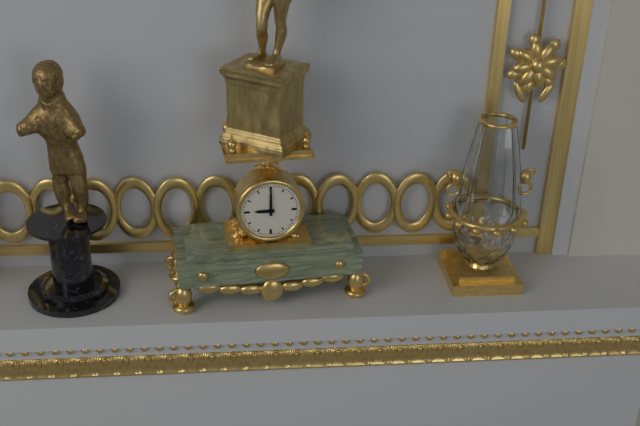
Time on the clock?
9:00
